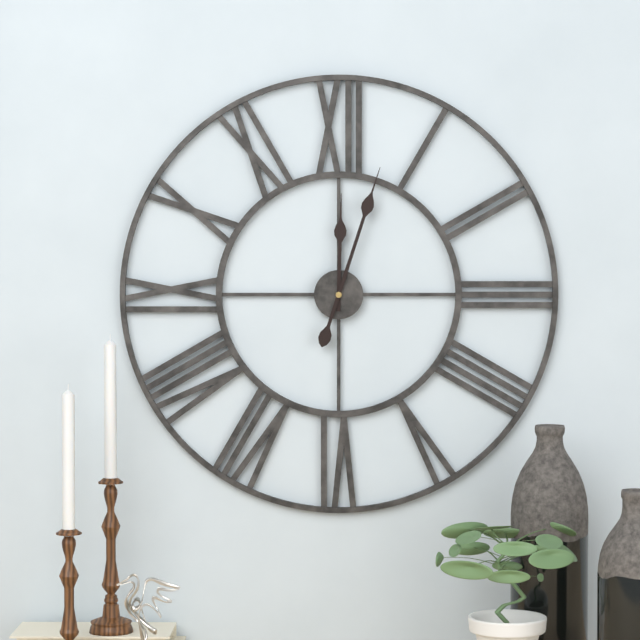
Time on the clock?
12:03
